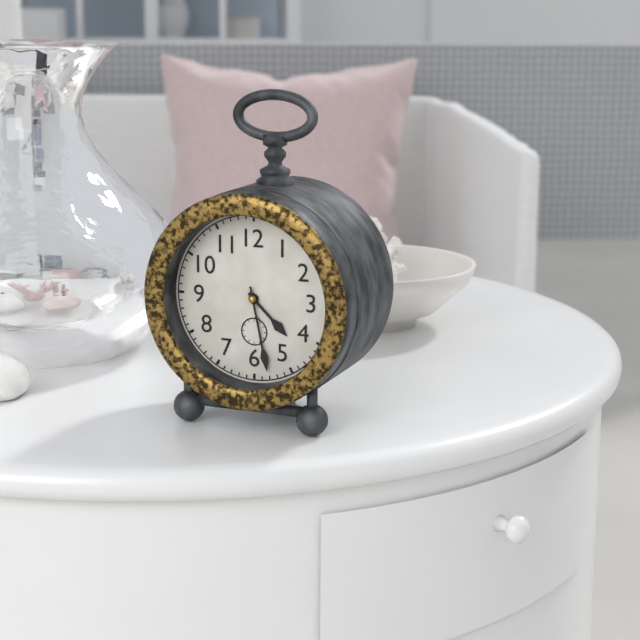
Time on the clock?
4:28
